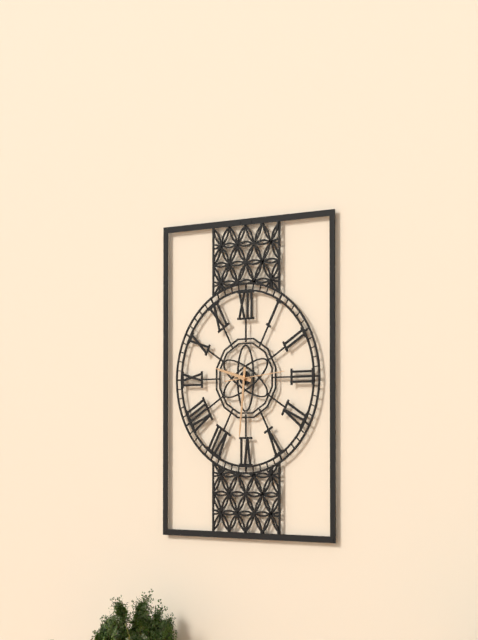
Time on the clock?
9:31
